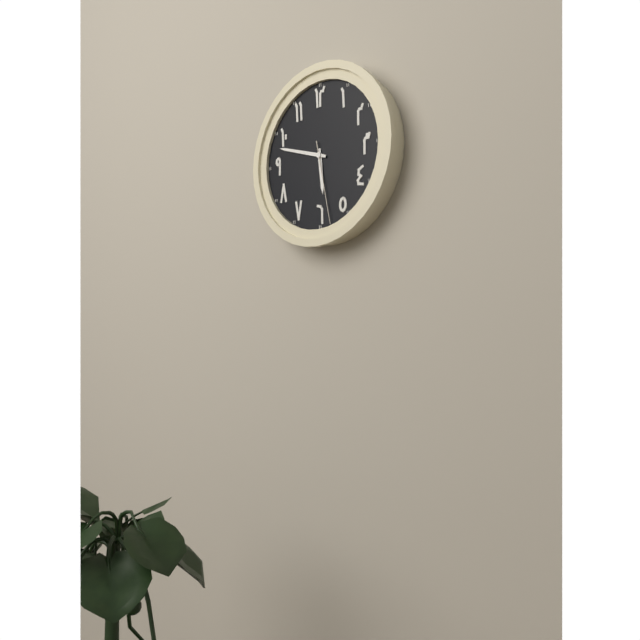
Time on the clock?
5:48:28
